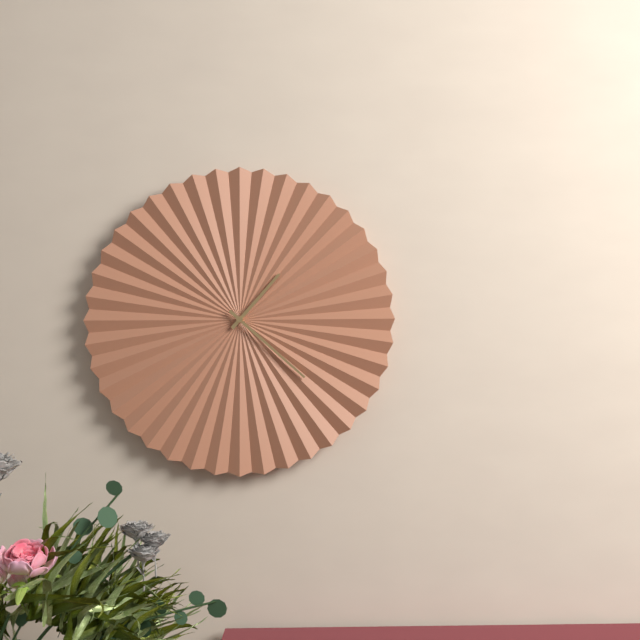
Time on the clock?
1:22
